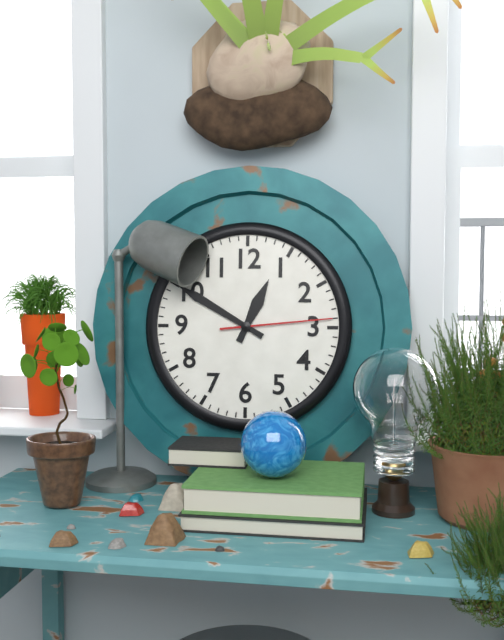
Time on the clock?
12:50:14
